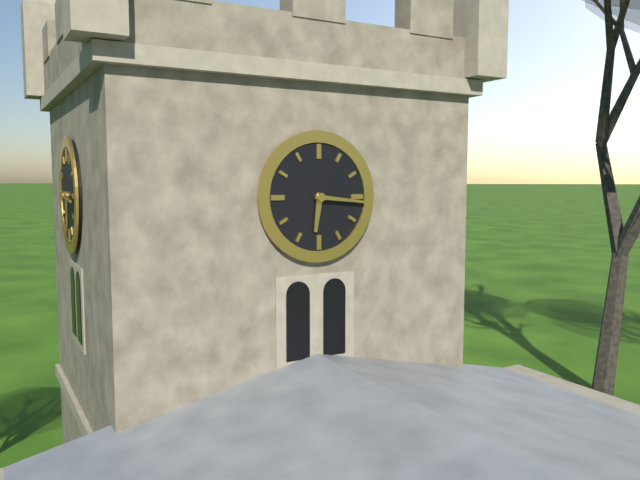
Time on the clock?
6:16
